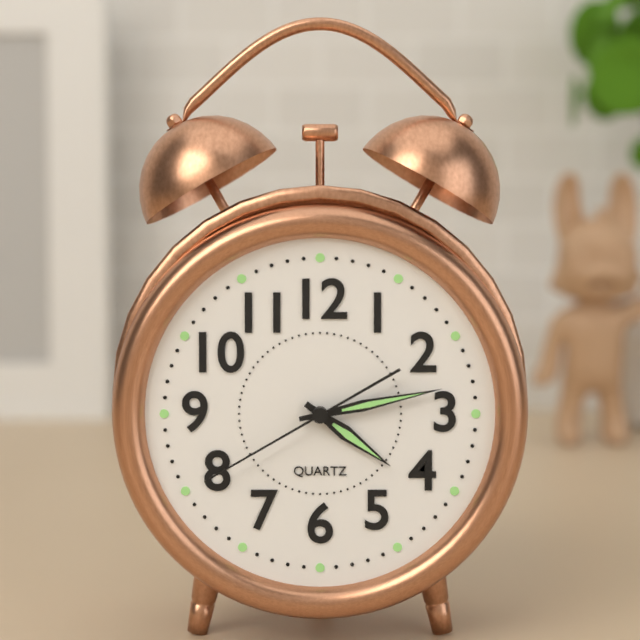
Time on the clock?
4:13:40
